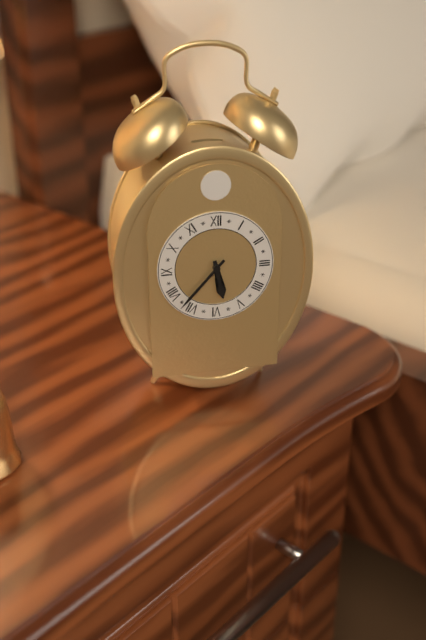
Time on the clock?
5:37
